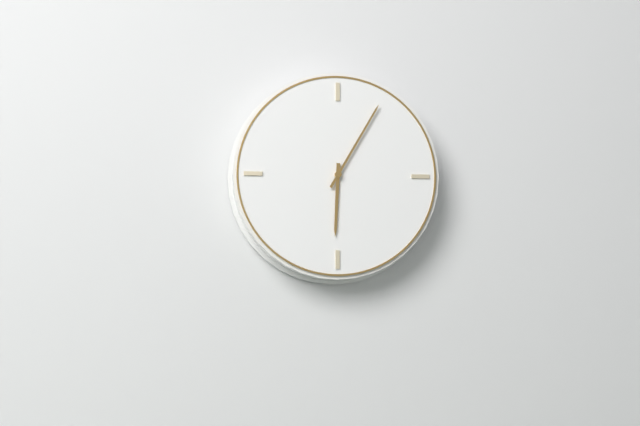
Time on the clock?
6:05
